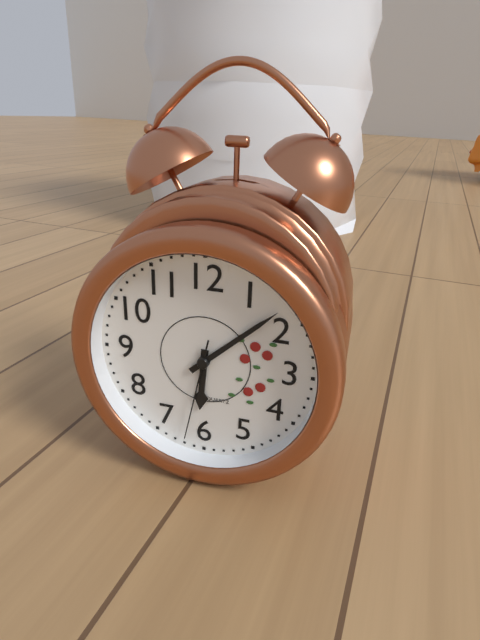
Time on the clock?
6:08:32
